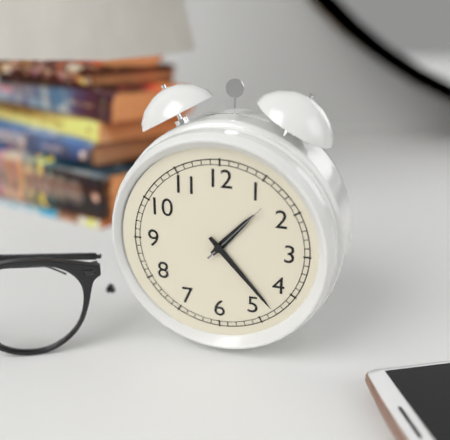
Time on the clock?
1:23:07
